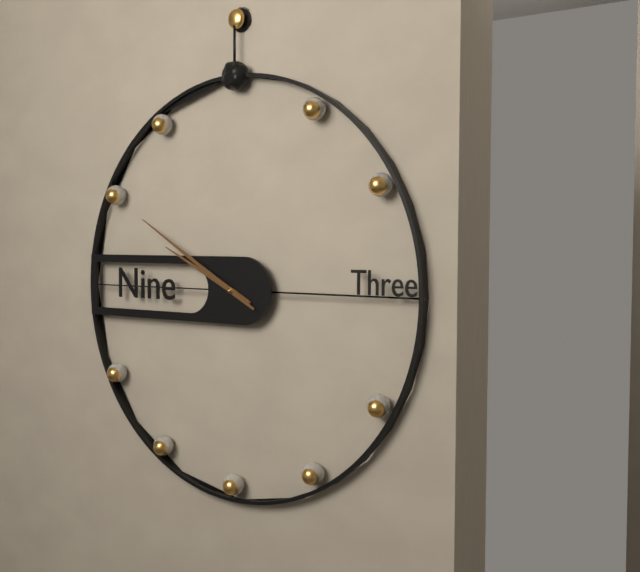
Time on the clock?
9:50
